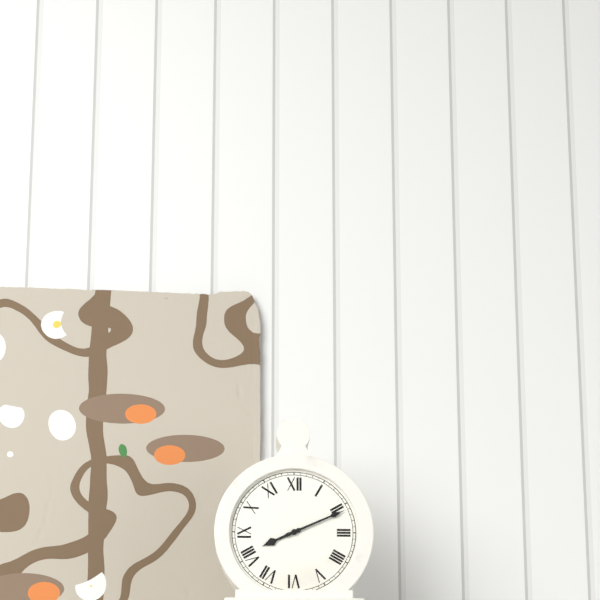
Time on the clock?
8:11
